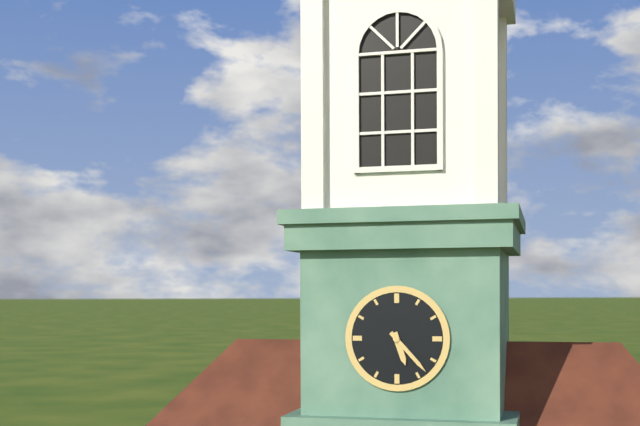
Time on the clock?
5:23
